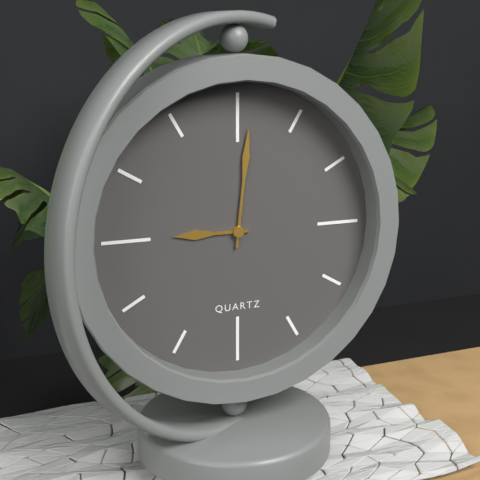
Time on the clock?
9:01
